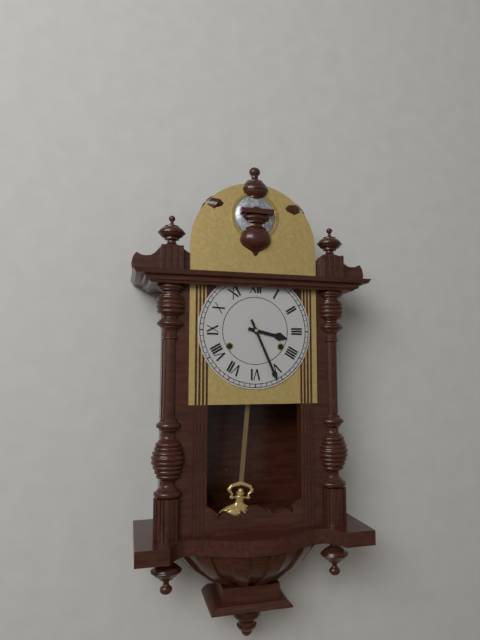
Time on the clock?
3:26
